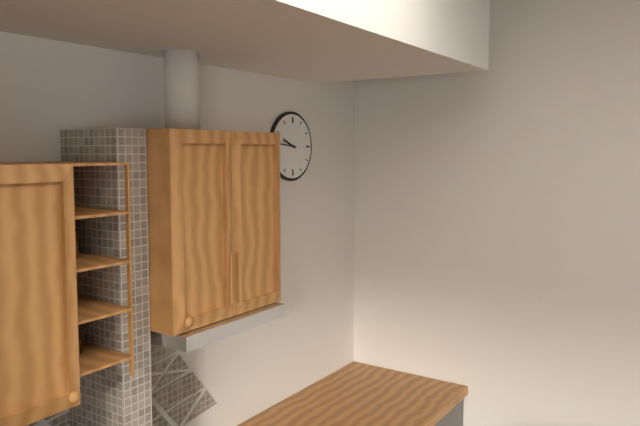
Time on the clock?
9:46
